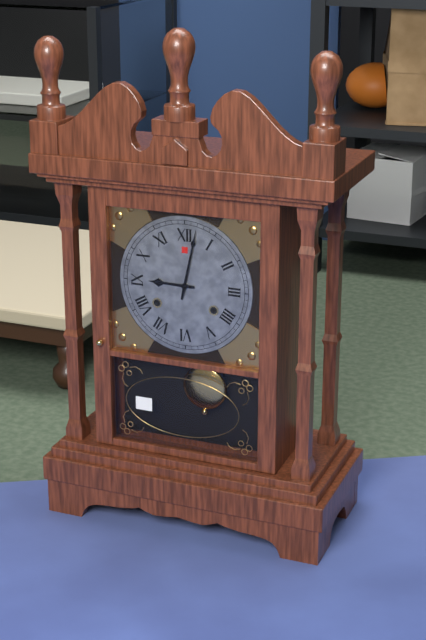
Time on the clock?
9:02
